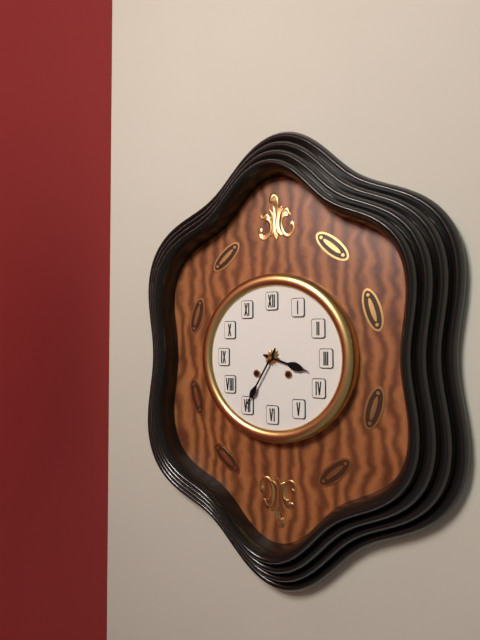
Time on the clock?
3:35
